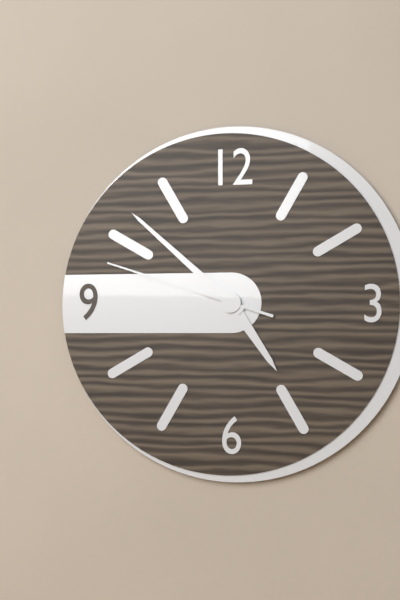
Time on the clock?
4:52:48
